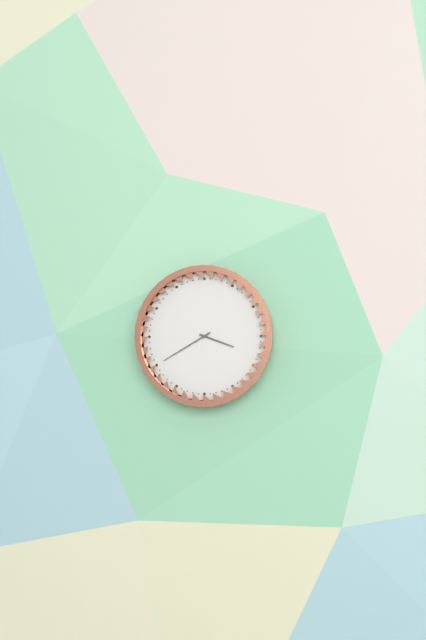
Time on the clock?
3:40
